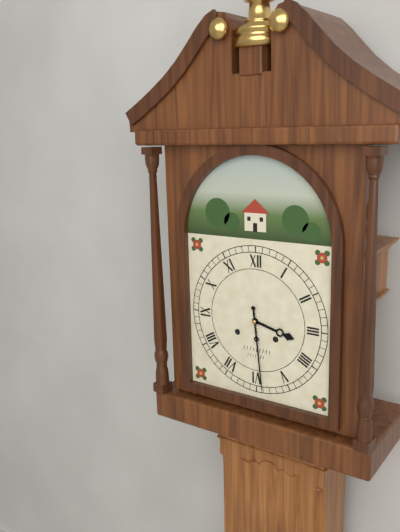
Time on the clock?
3:29
